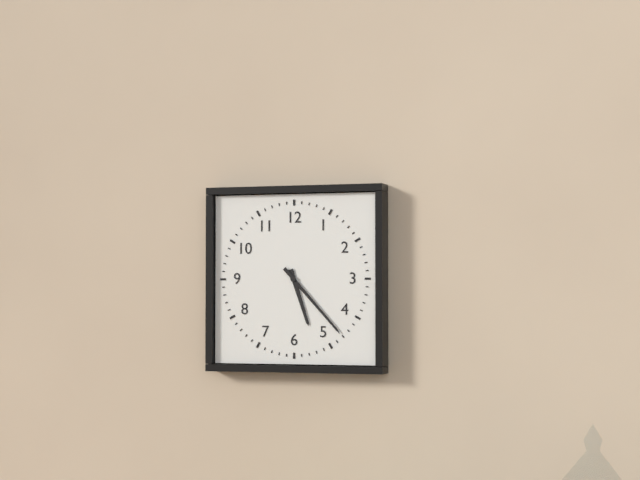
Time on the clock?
5:23
